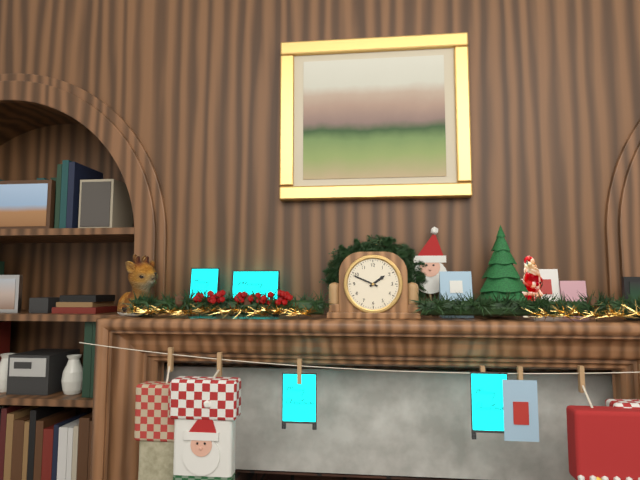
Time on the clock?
1:49
